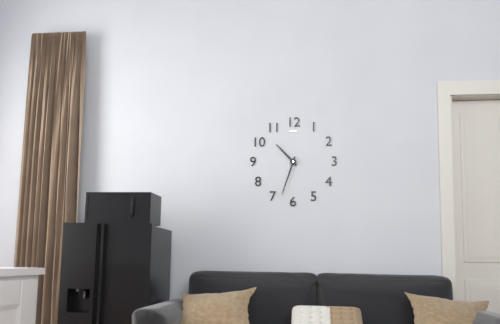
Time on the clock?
10:33
